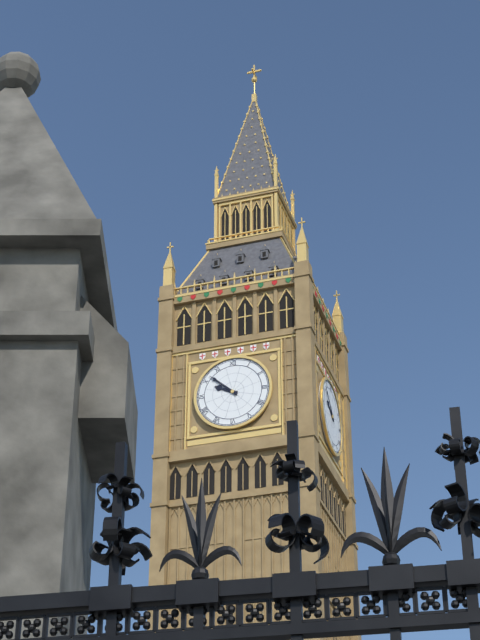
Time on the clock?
9:52
